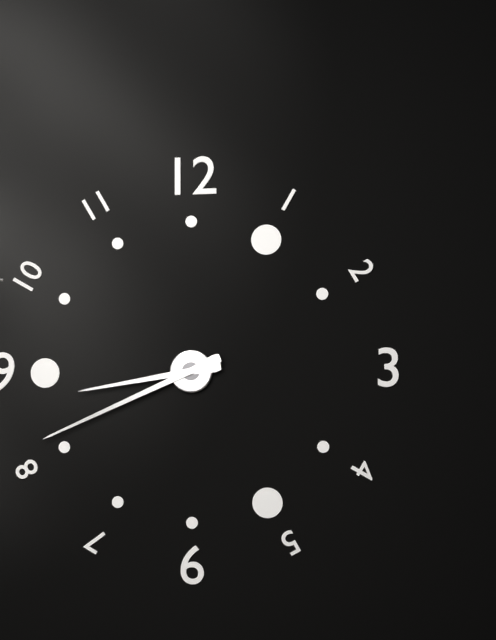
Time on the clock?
8:41
